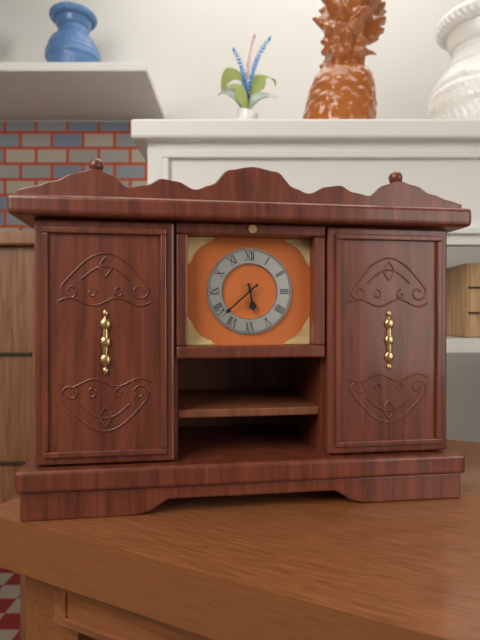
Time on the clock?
5:38
